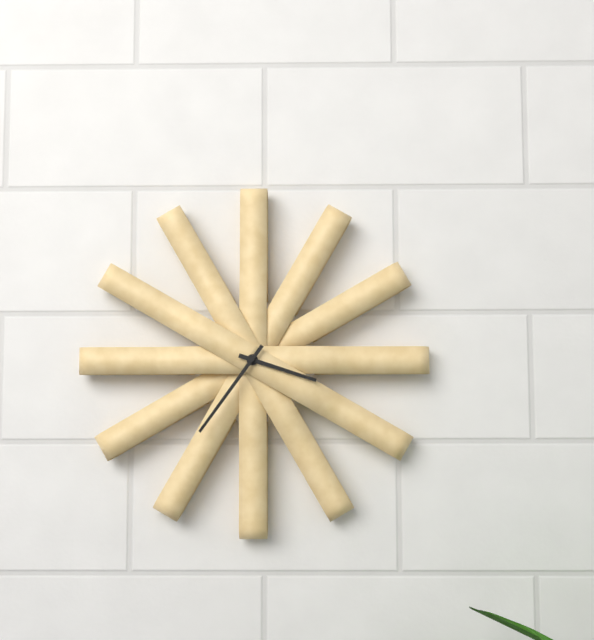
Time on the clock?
3:36
